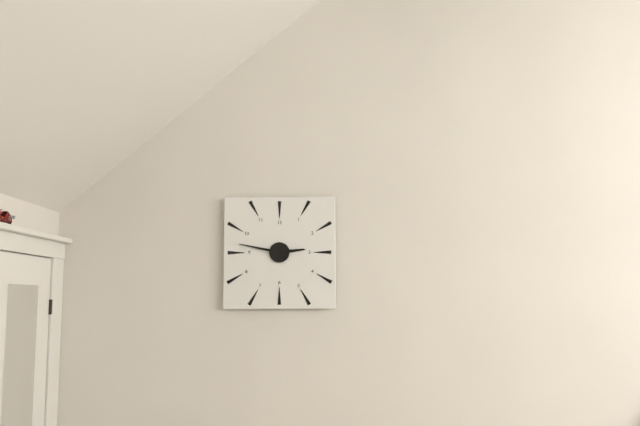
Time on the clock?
2:47
